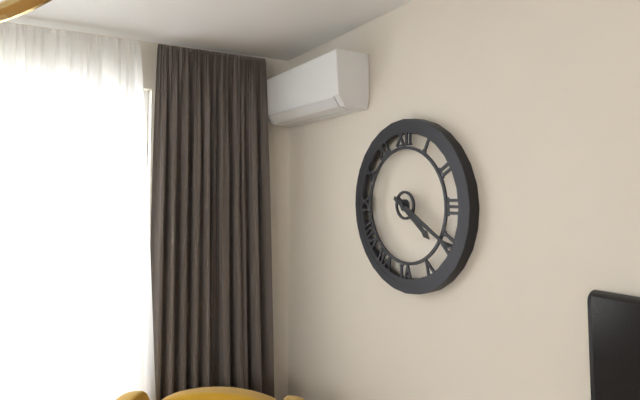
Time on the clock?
4:20
